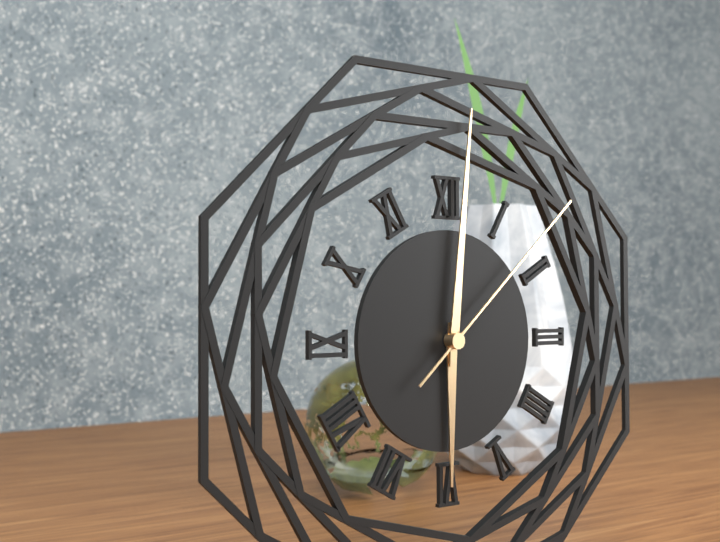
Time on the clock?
6:01:08
